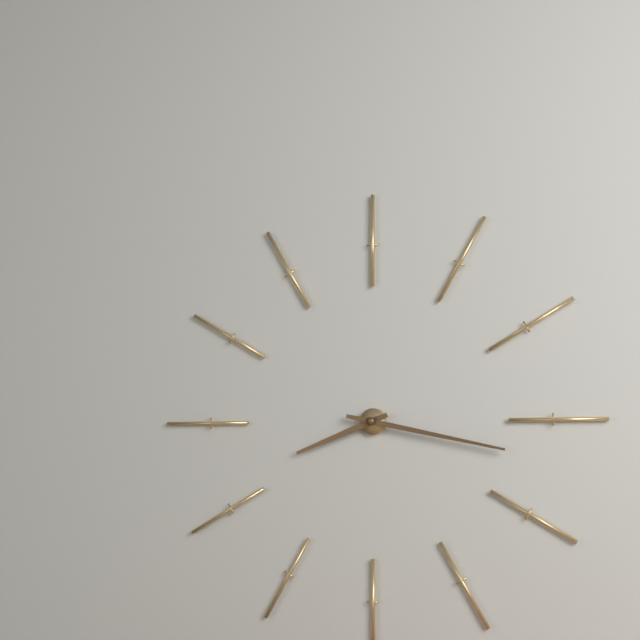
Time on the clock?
8:17
